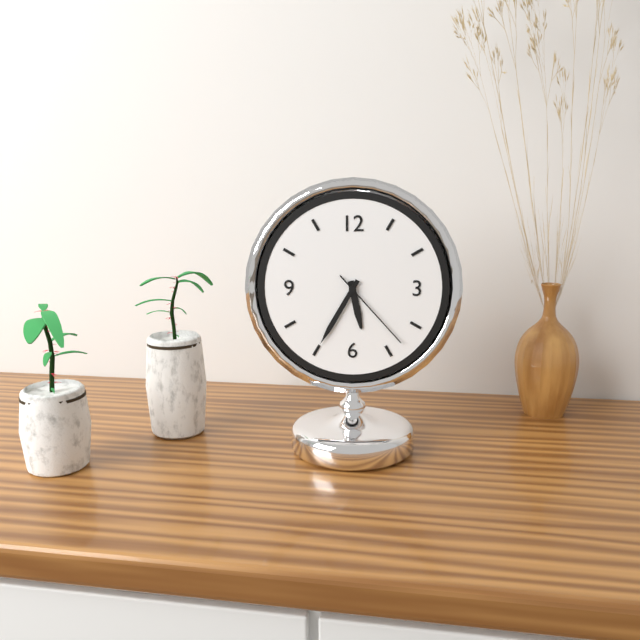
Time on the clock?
5:35:23
